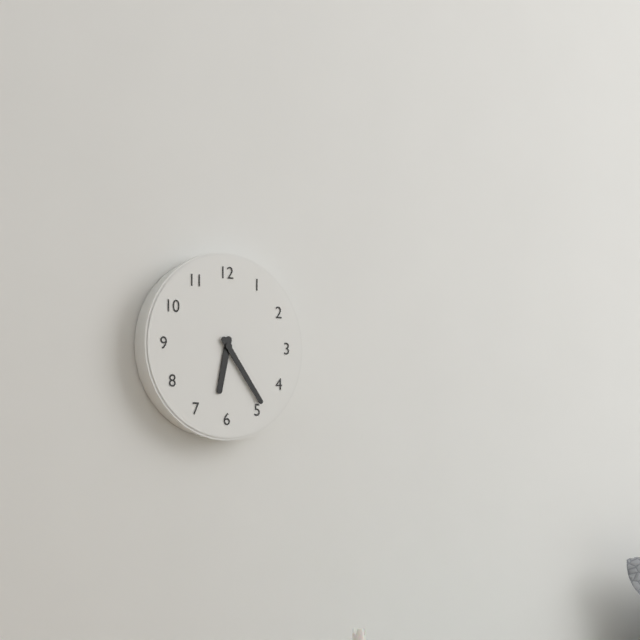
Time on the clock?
6:24
